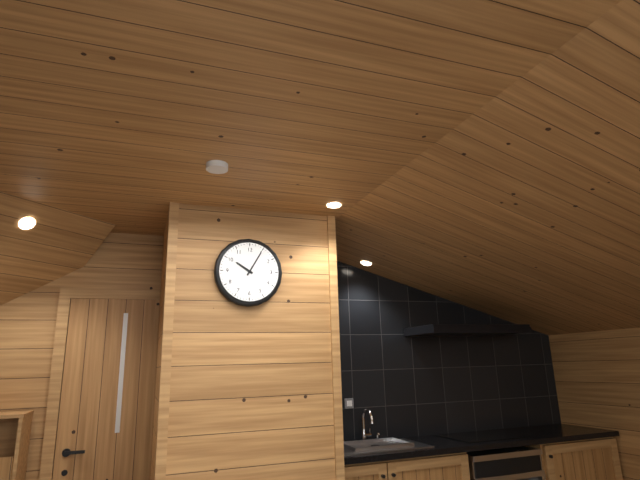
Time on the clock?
10:05
